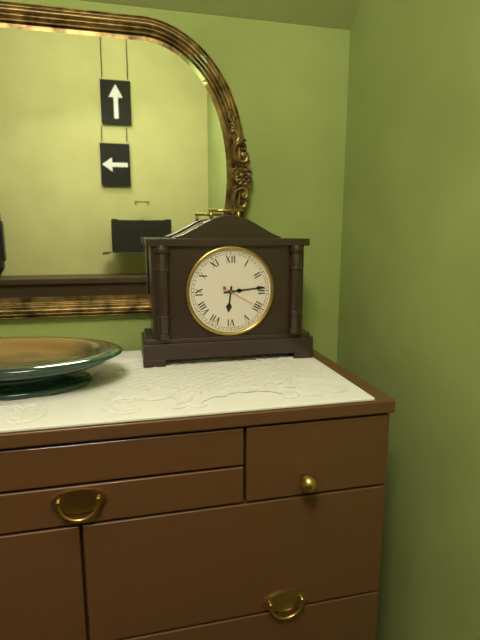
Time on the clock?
6:14
